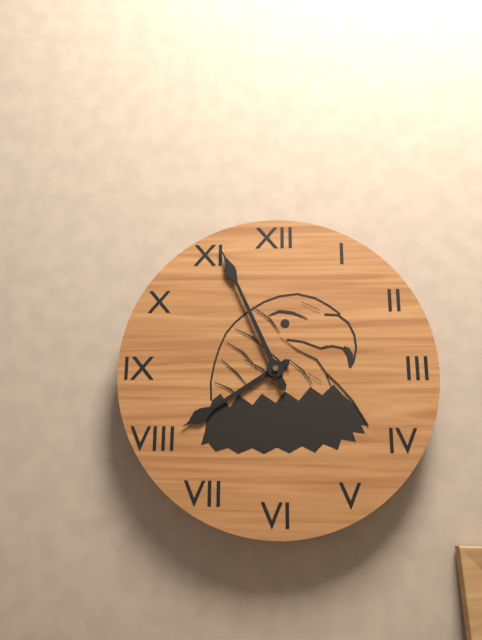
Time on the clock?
7:56
